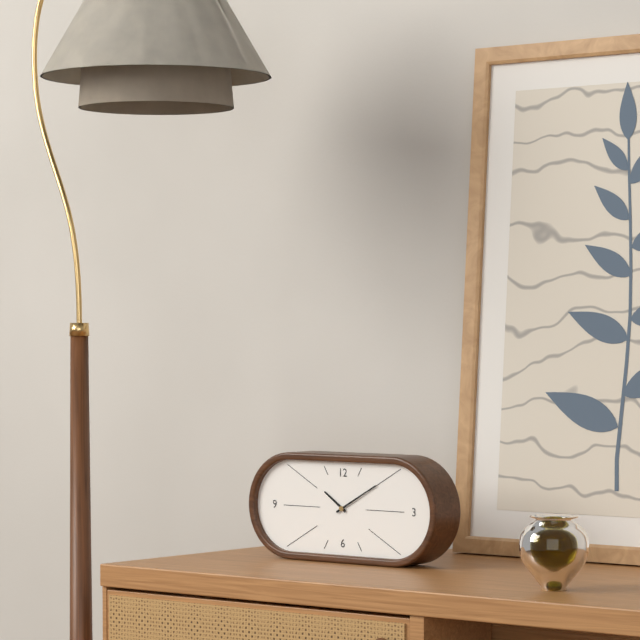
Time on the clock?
10:10
